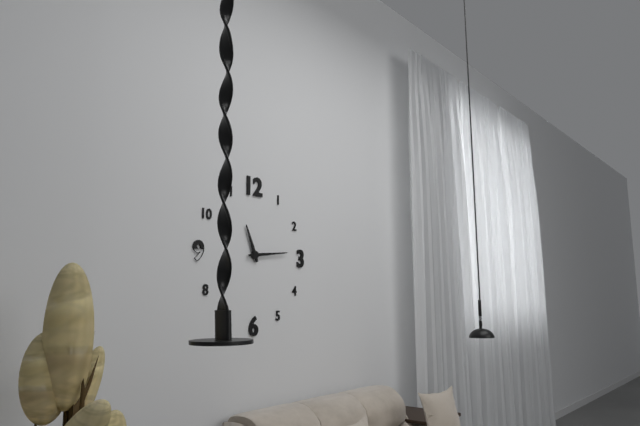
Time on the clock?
11:14
